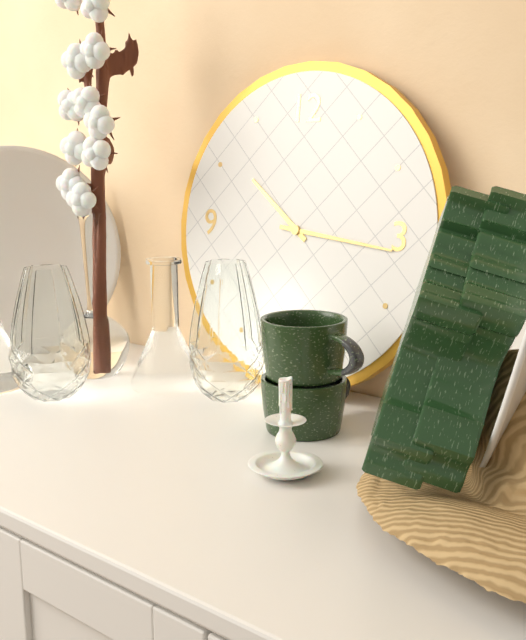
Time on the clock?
10:16
